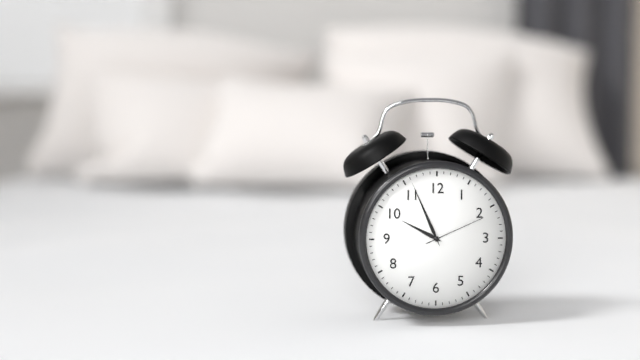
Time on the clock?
9:56:11
